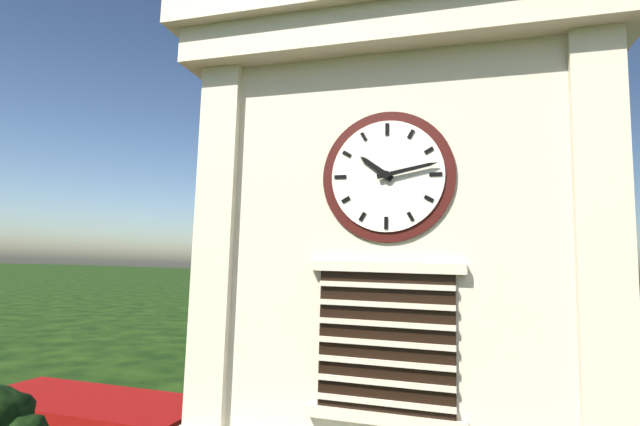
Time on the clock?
10:13
